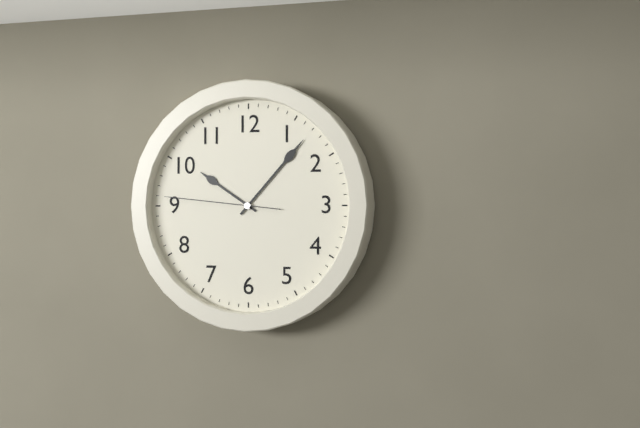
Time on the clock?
10:07:46
